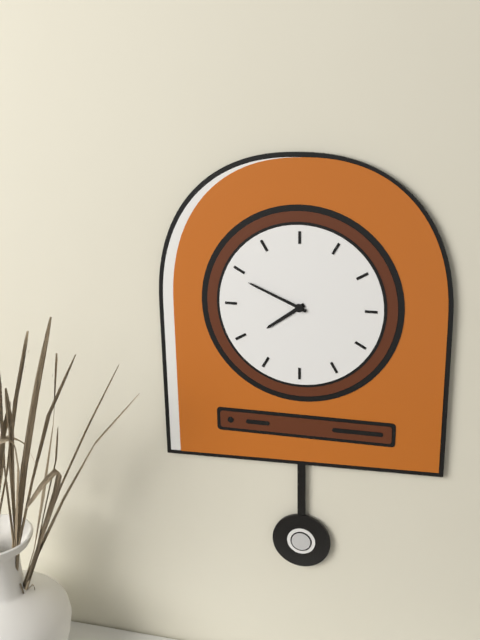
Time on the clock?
7:49
